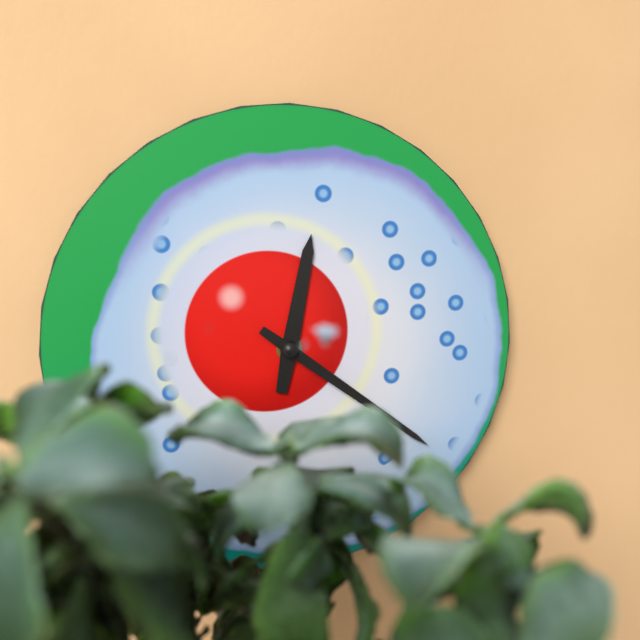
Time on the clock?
12:21
